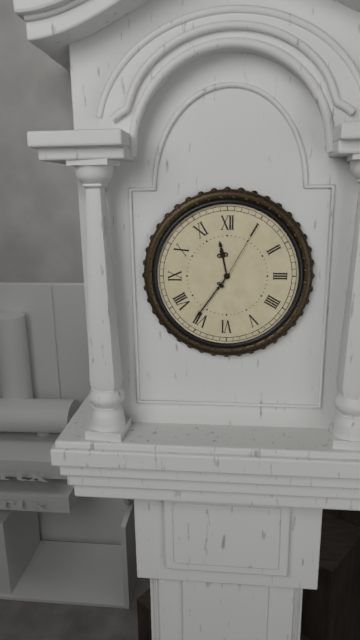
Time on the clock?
11:36:05
